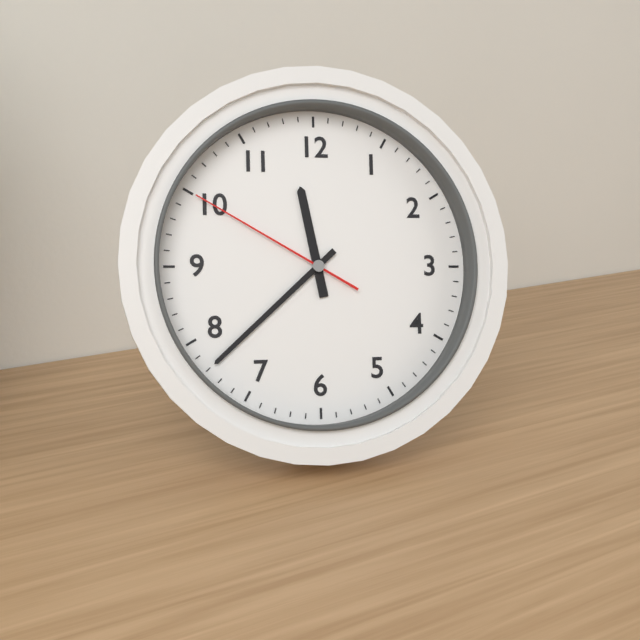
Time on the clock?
11:38:50
